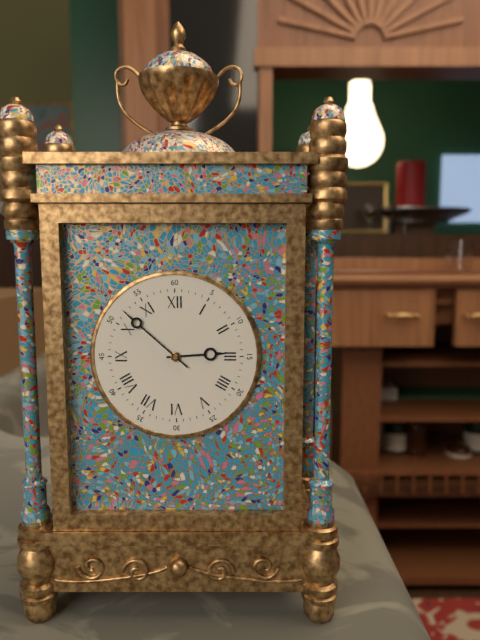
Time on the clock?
2:52
